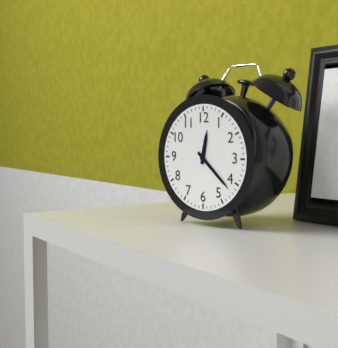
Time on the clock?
12:22
